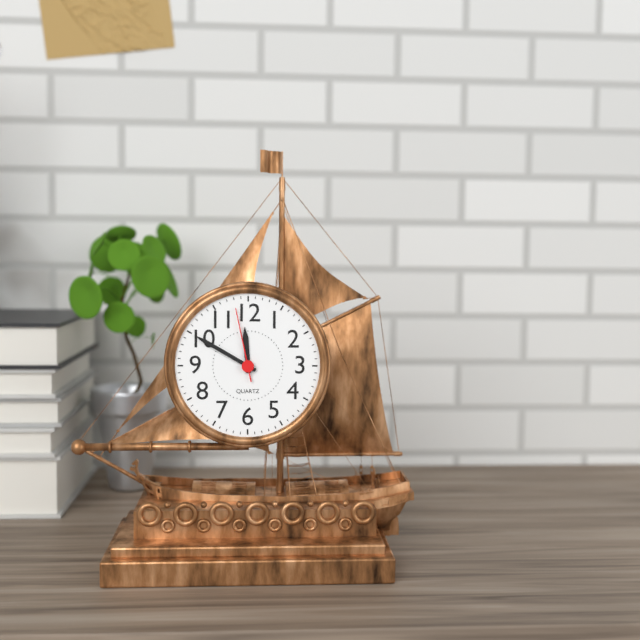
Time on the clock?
11:50:58
